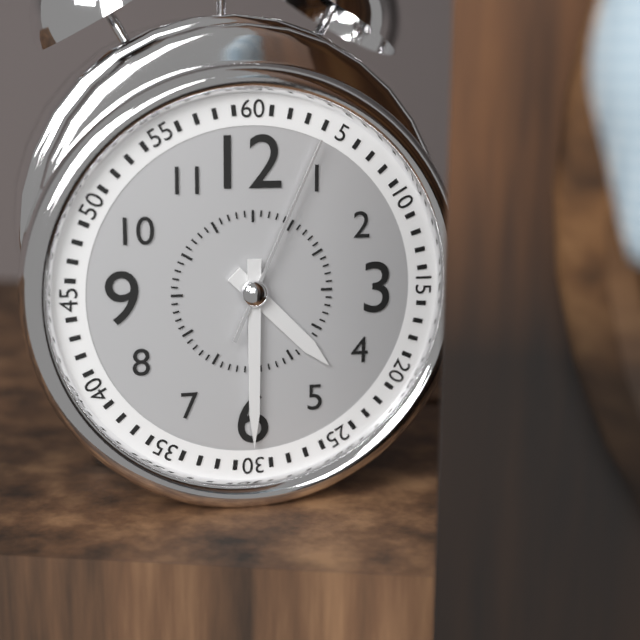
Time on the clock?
4:30:04
